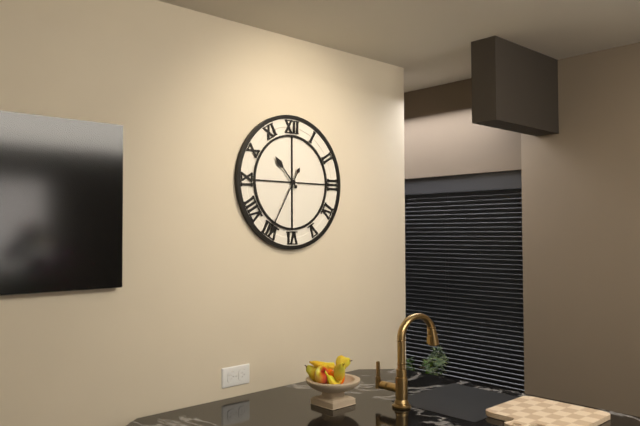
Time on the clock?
10:35
